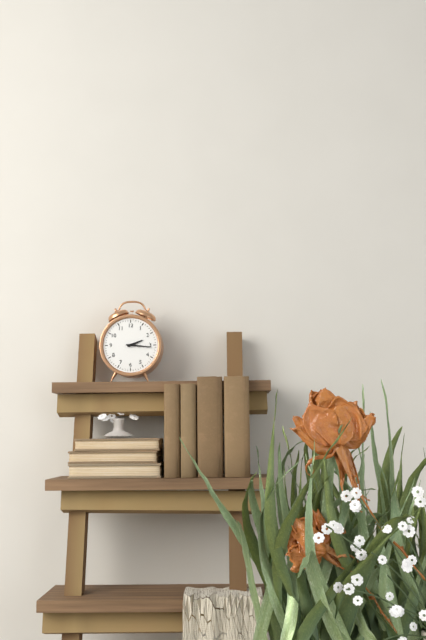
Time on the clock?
2:16
